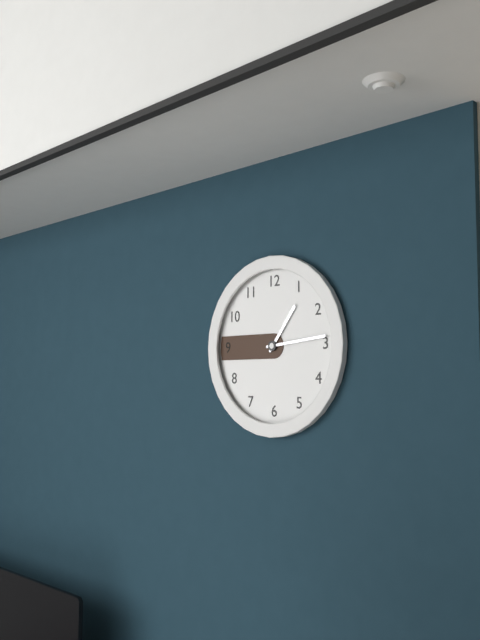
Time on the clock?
1:14
